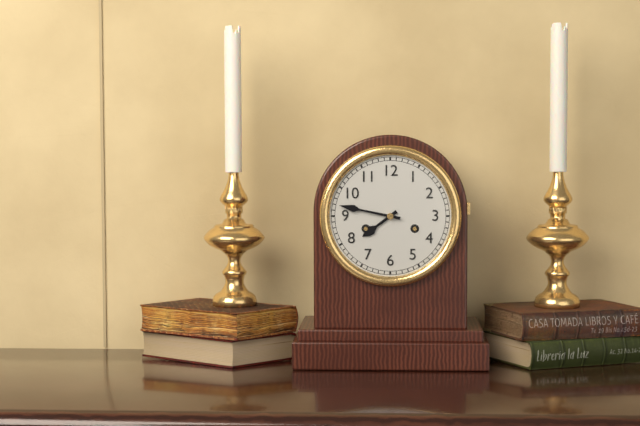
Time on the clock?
7:47
